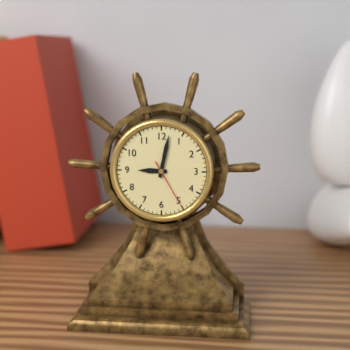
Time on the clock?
9:02:25
